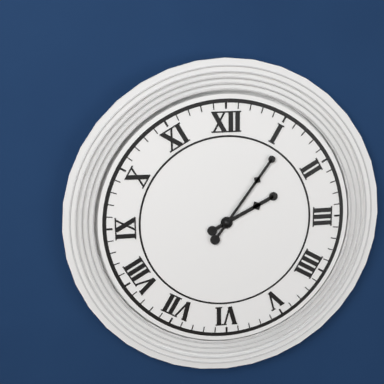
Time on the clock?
2:06
